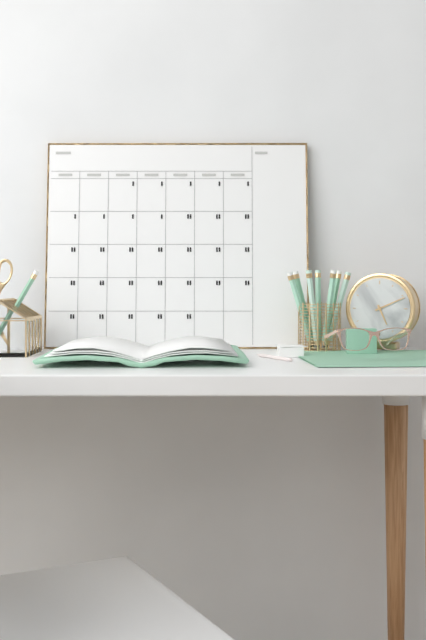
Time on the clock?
5:11
